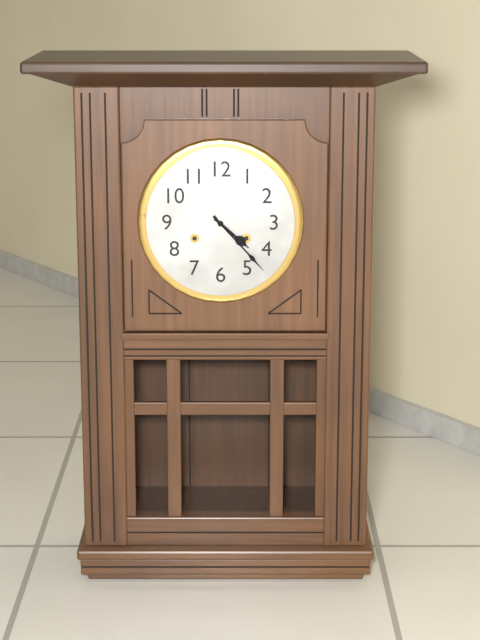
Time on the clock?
4:23
